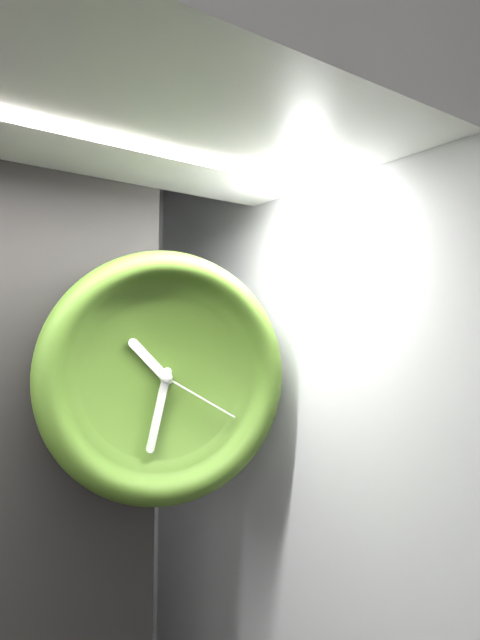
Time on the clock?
10:32:20
